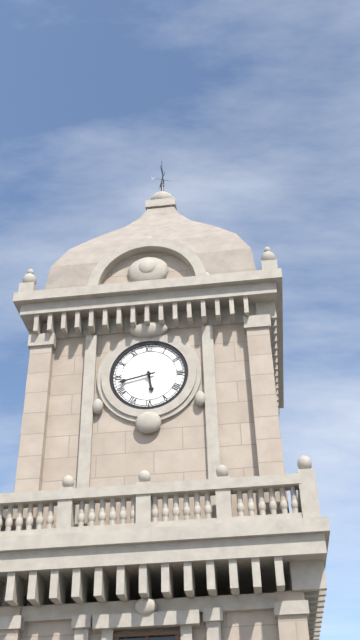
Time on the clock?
5:43
